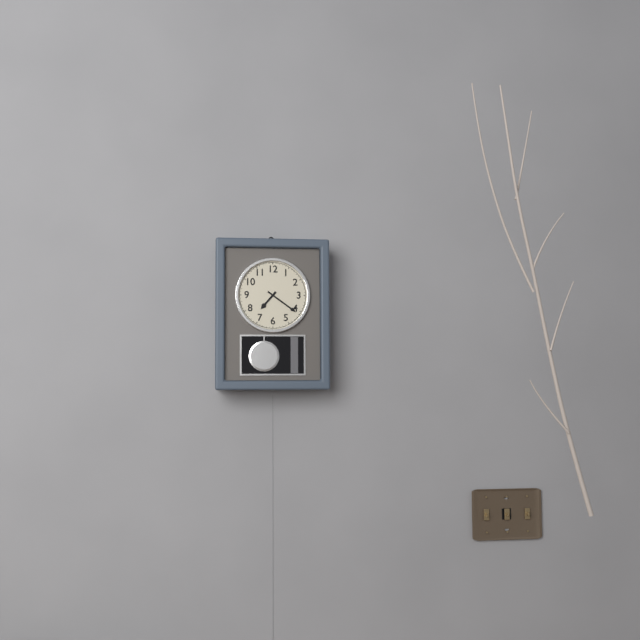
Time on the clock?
7:21
